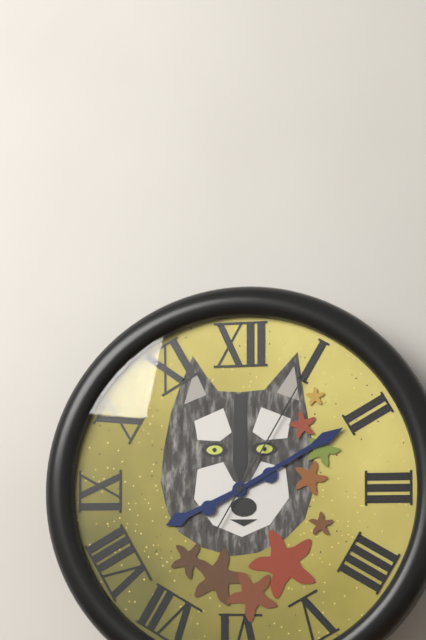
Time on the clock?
8:10:05
